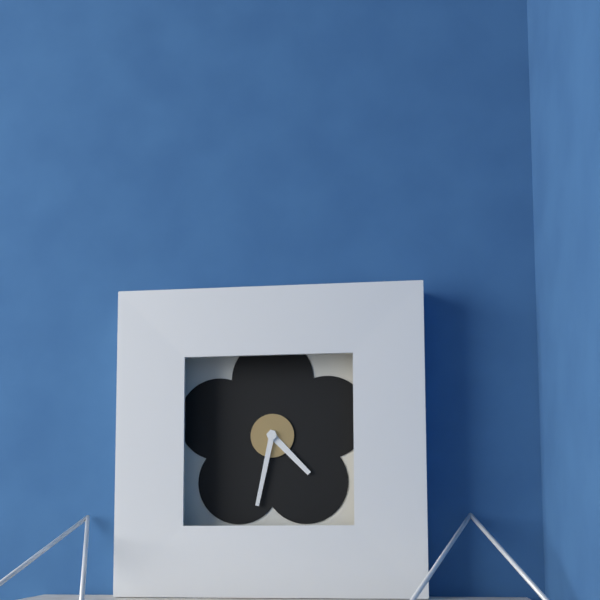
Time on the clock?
4:32
